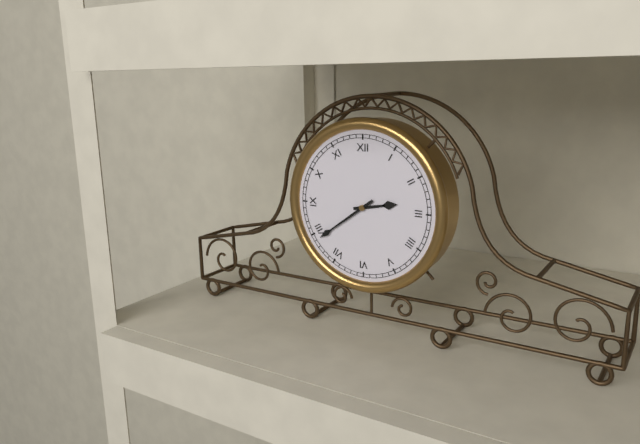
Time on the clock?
2:39
